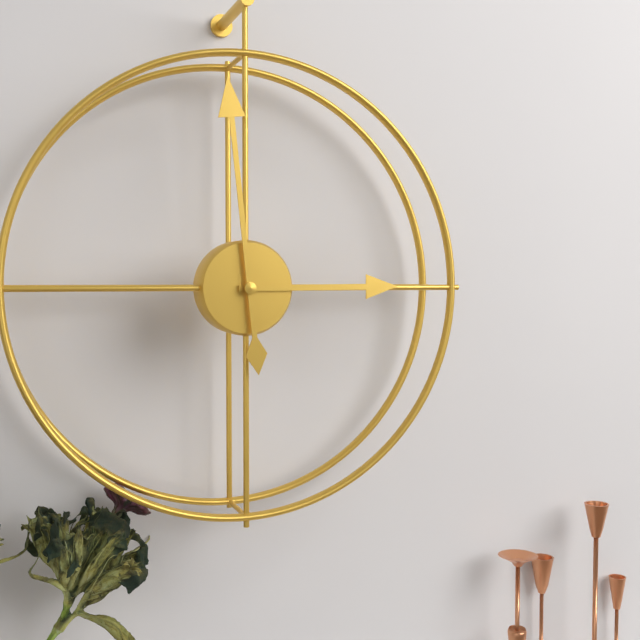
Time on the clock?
2:59
